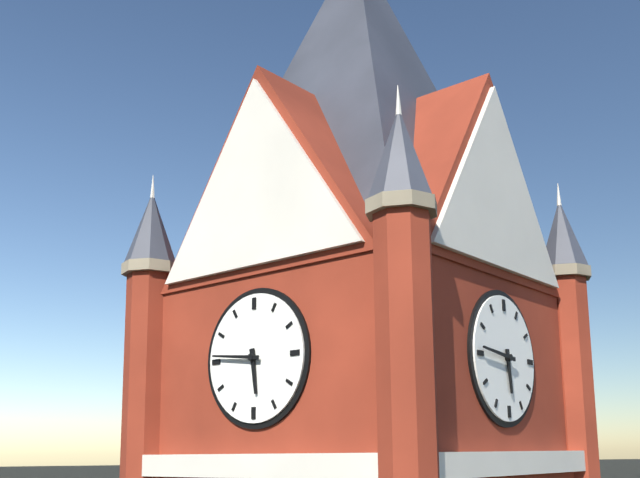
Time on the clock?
5:46
